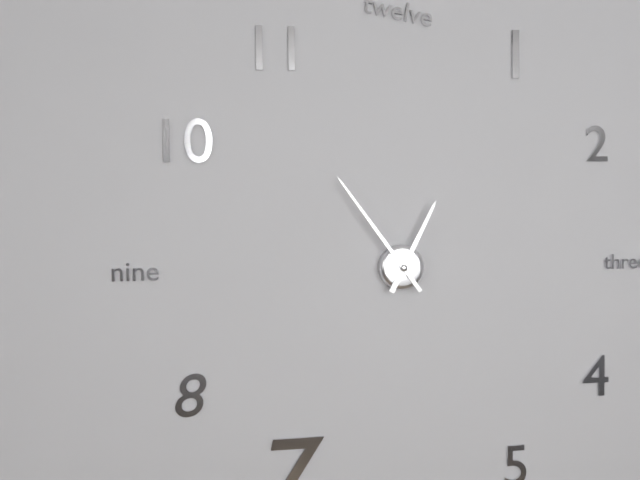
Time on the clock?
12:54
